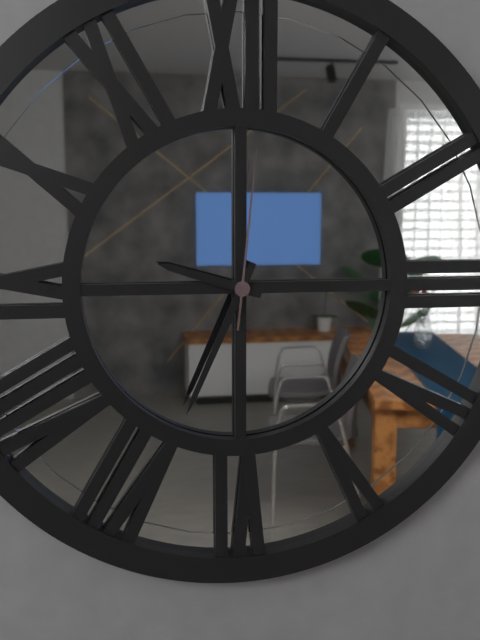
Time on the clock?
9:34:01
